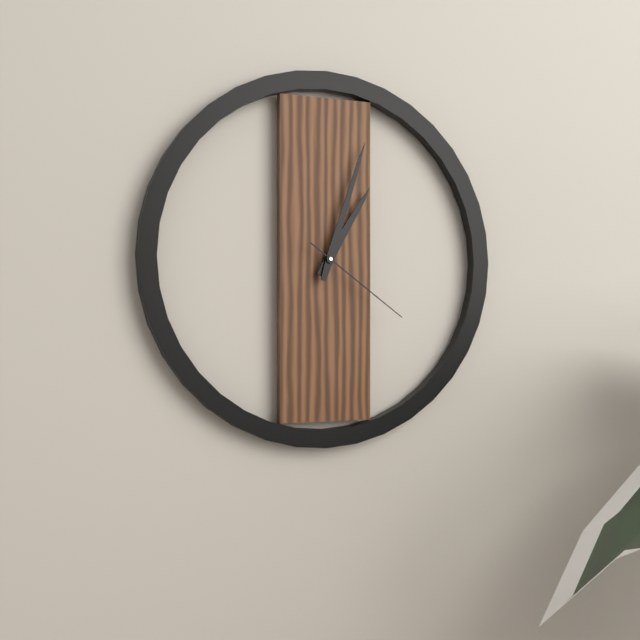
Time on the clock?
1:03:21
